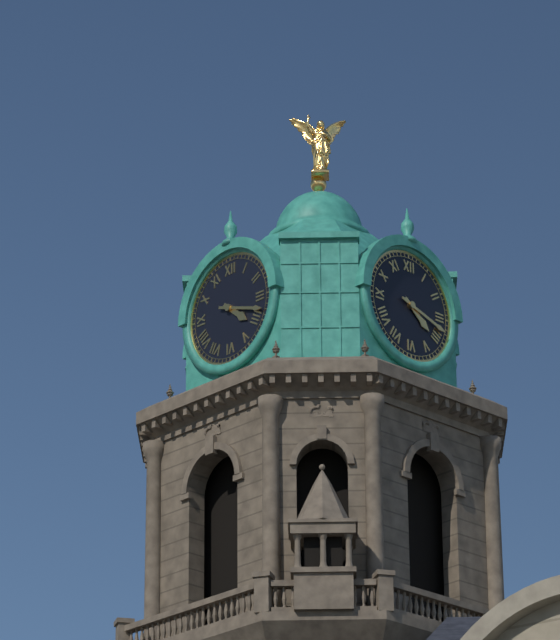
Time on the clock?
4:18
